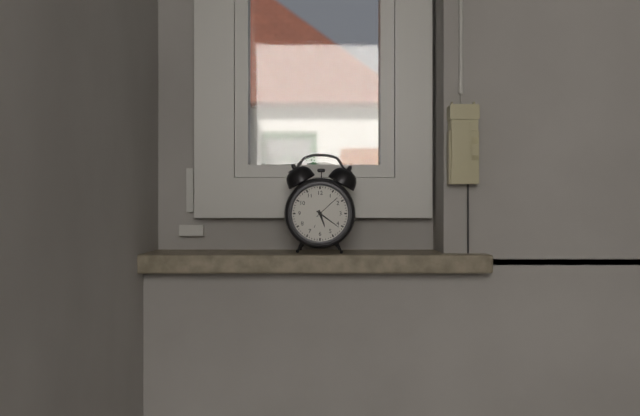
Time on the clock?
5:21
